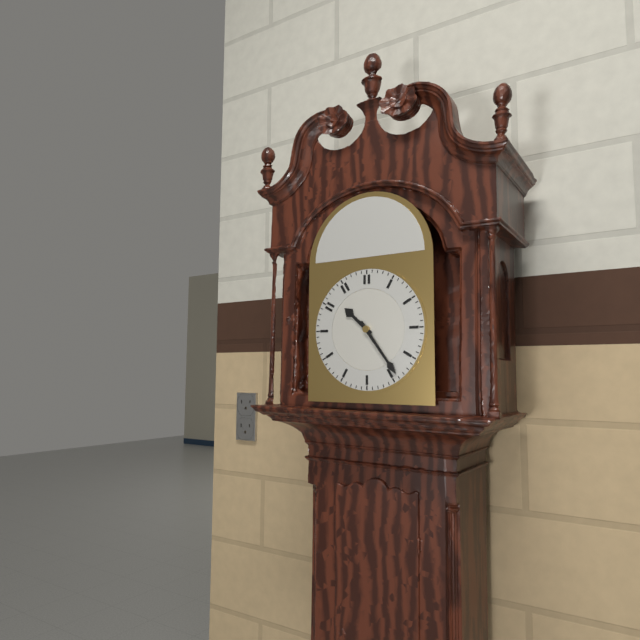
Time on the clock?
10:24
